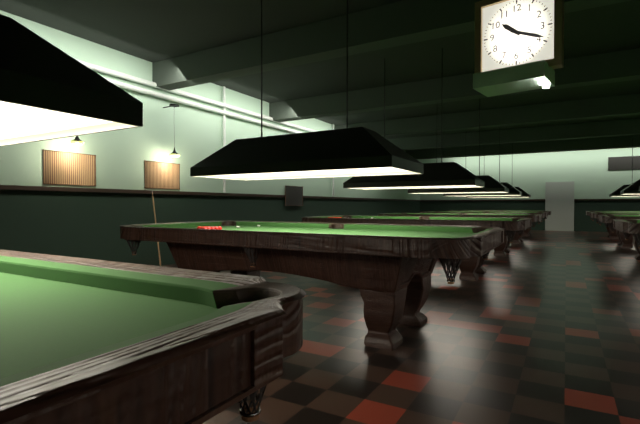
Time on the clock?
10:19
